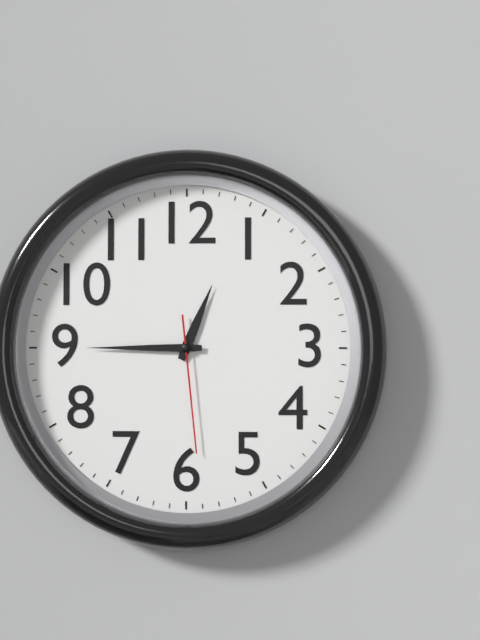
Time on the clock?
12:45:29
